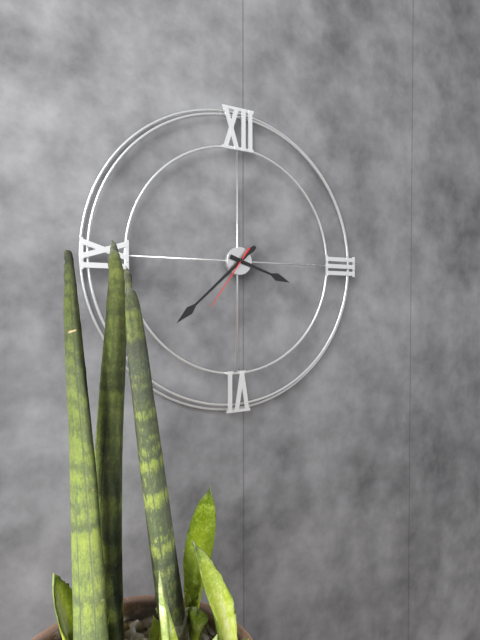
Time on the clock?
3:38:36
